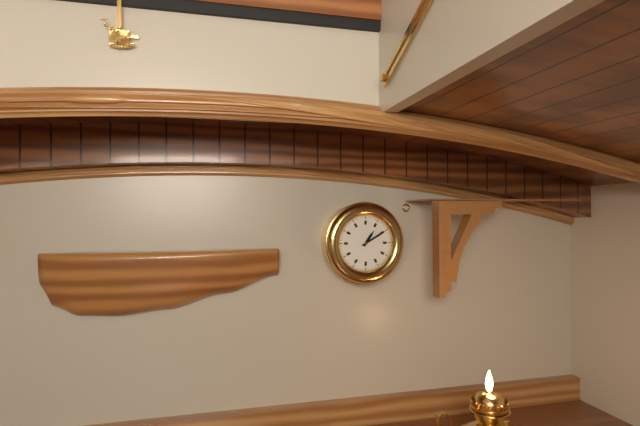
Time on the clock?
1:10
